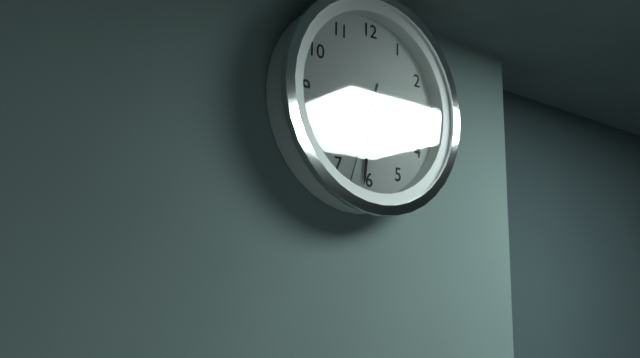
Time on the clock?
7:31:33
